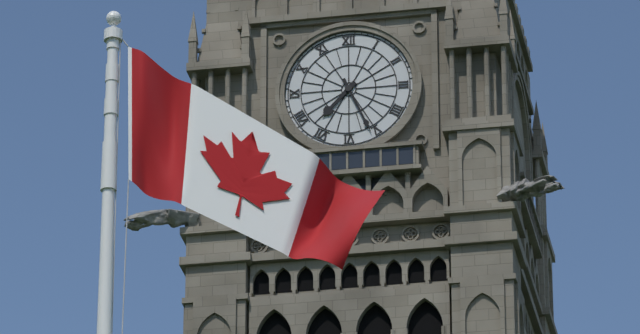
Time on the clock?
7:26
